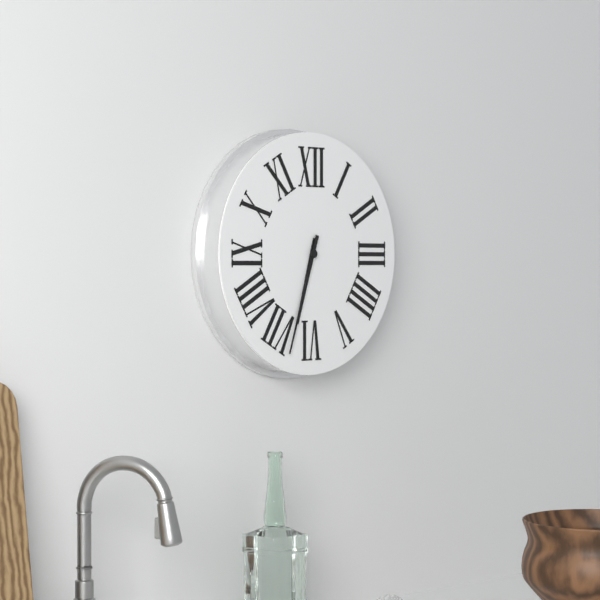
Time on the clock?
6:33
